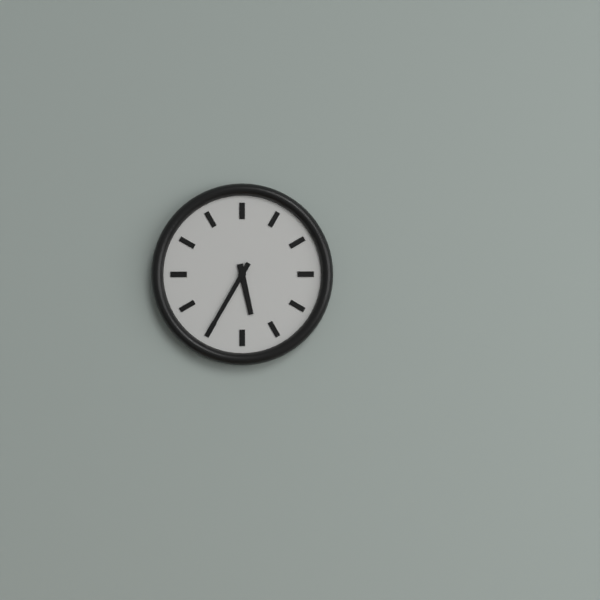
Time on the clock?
5:35
